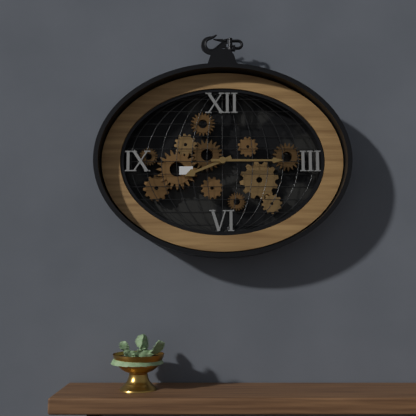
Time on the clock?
8:15
